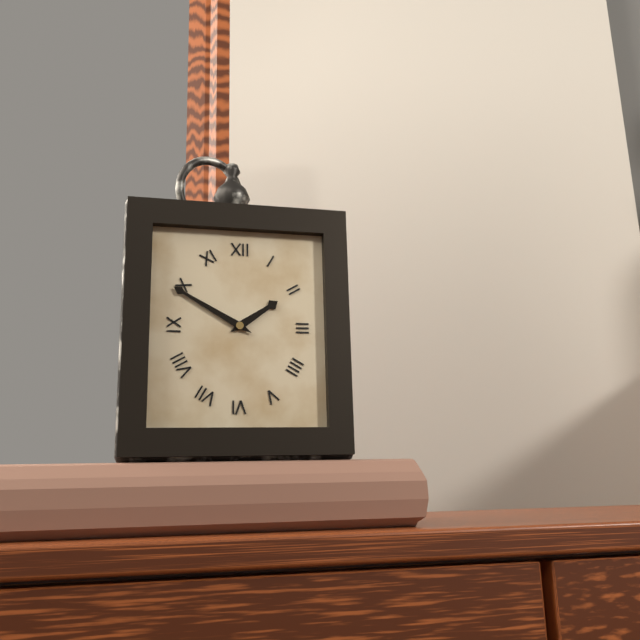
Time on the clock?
1:50
